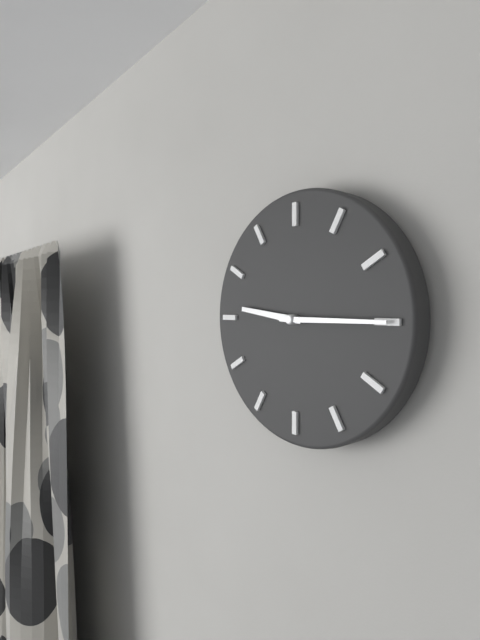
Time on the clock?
9:15
